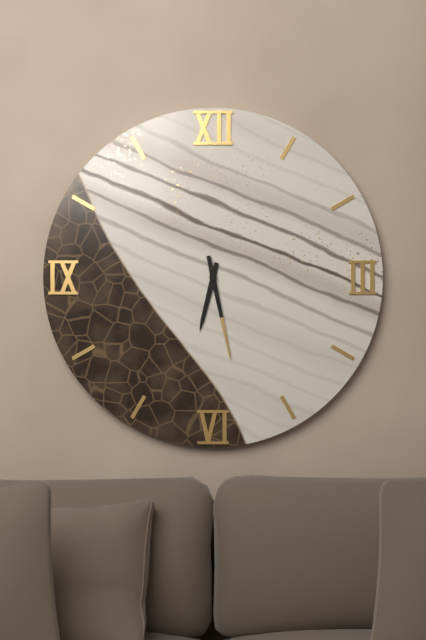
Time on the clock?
6:28
